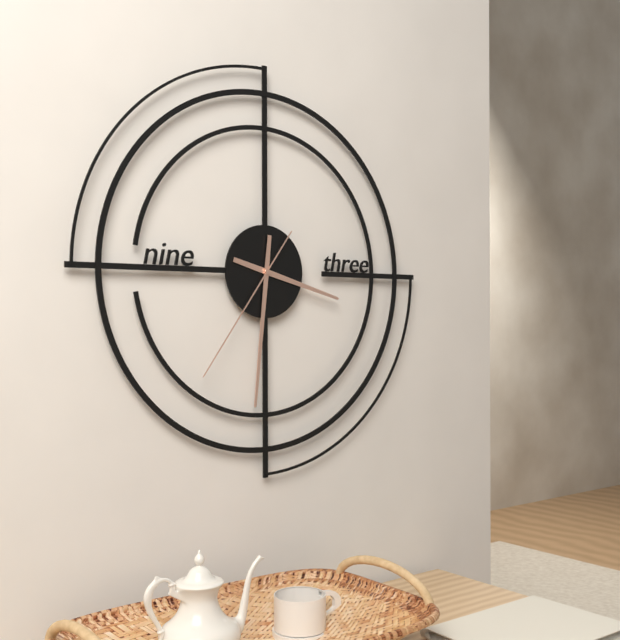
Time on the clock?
3:31:36
